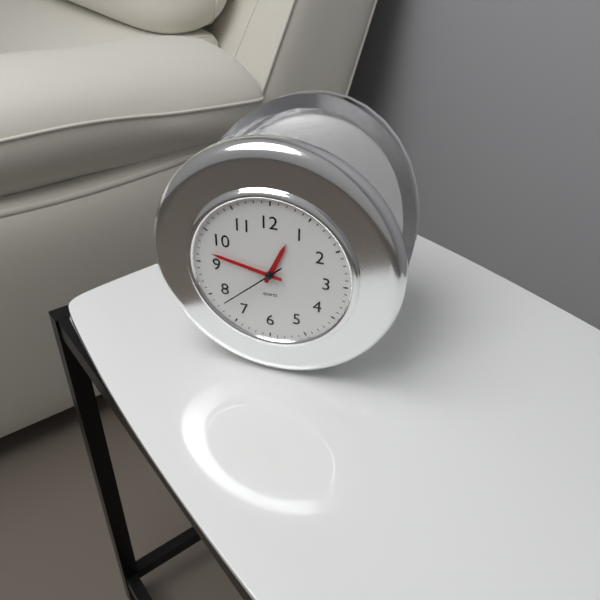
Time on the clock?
12:47:38
